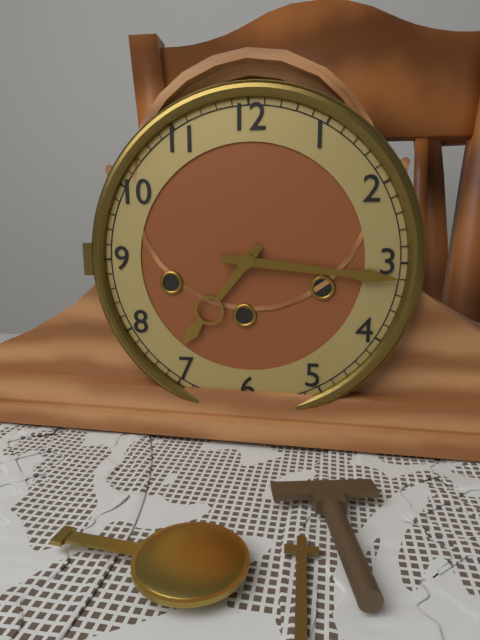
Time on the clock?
7:16
